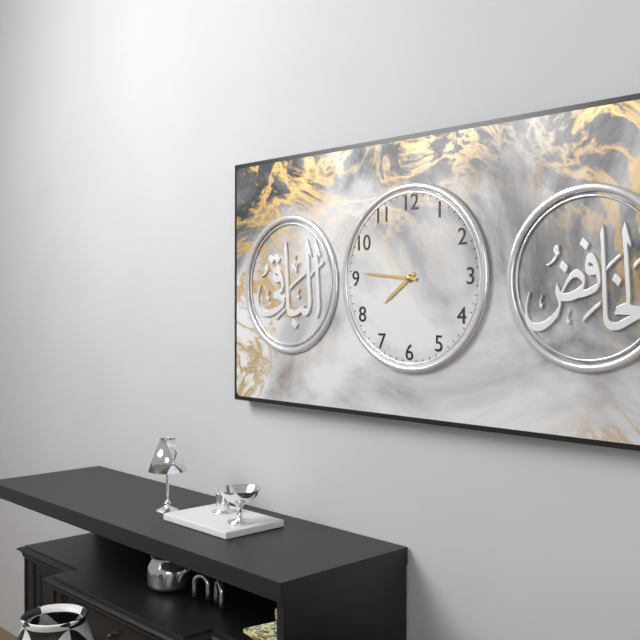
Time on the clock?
7:46
